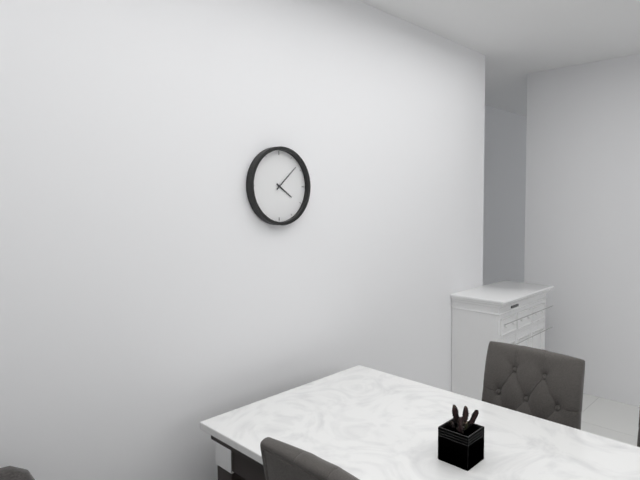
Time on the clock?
4:08
